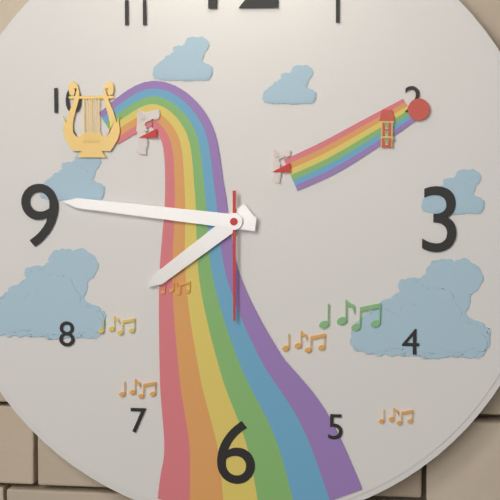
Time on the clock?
7:46:30
